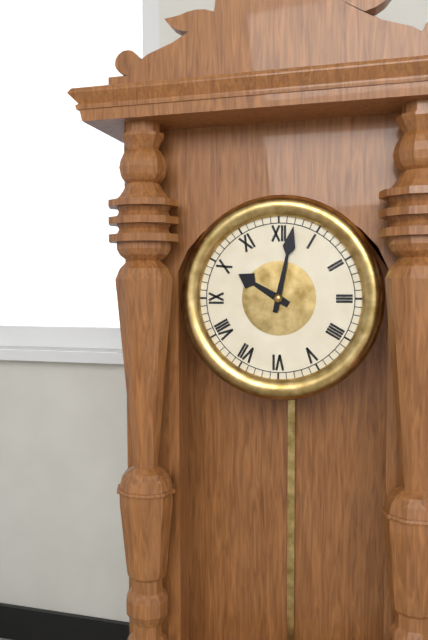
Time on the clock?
10:02
